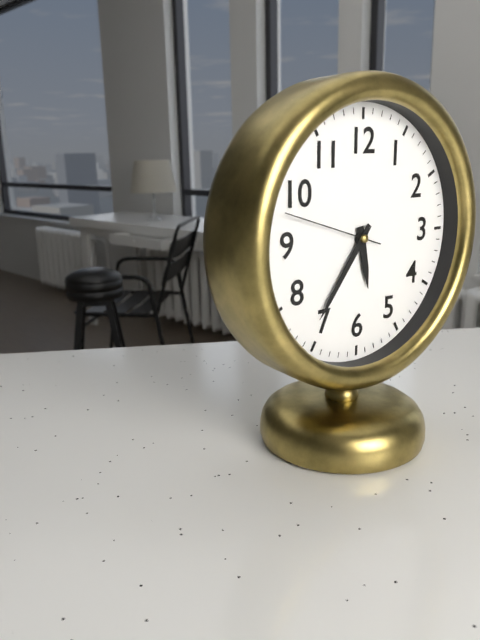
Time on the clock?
5:36:48
